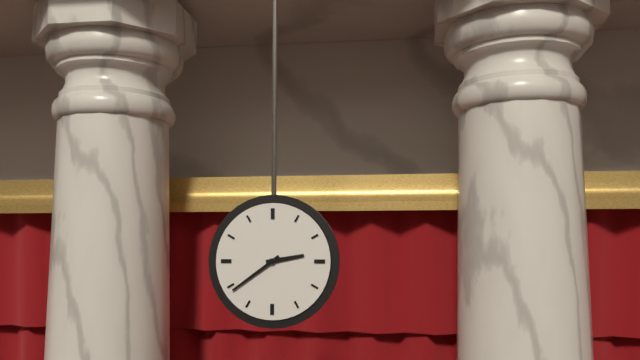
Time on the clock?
2:39
